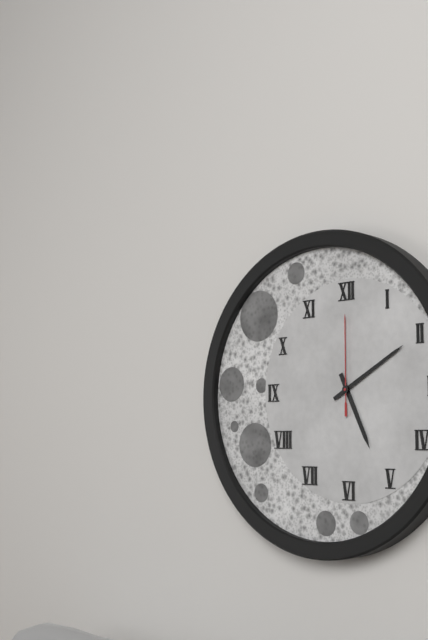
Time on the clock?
5:10:00
